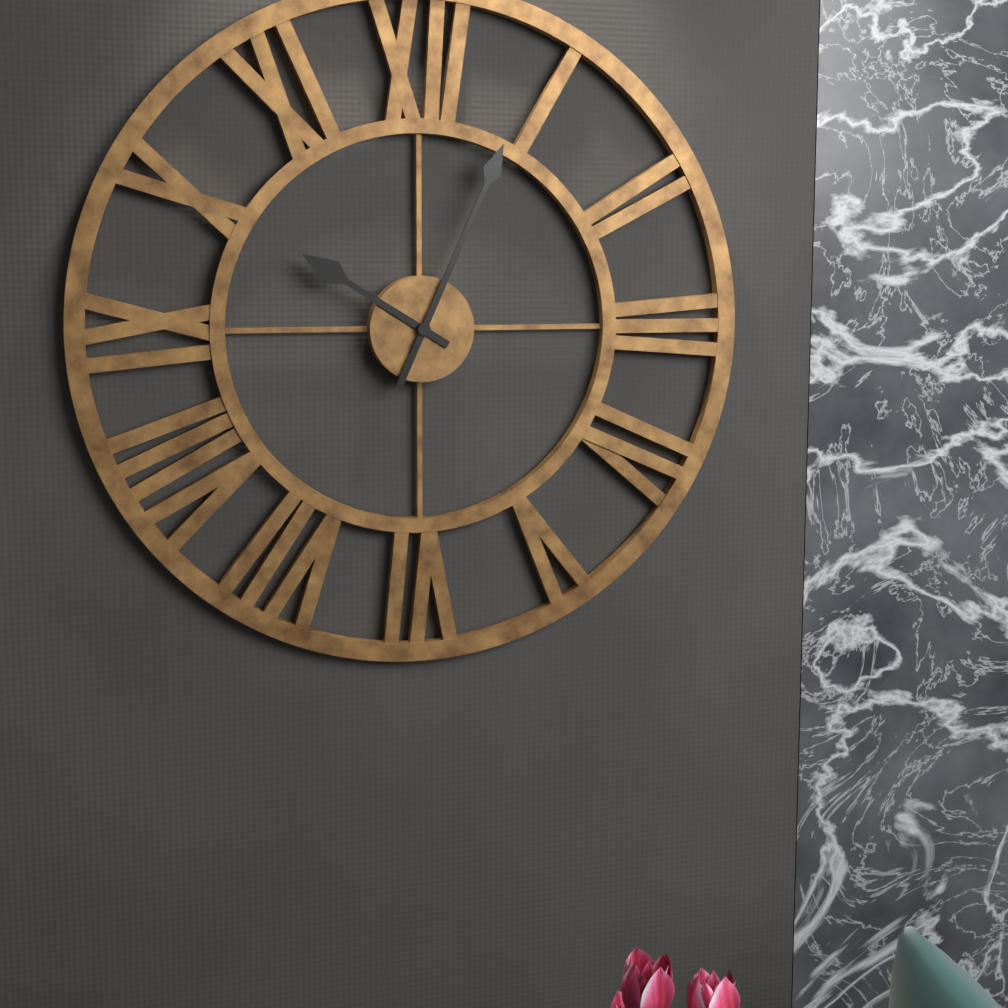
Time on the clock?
10:04
